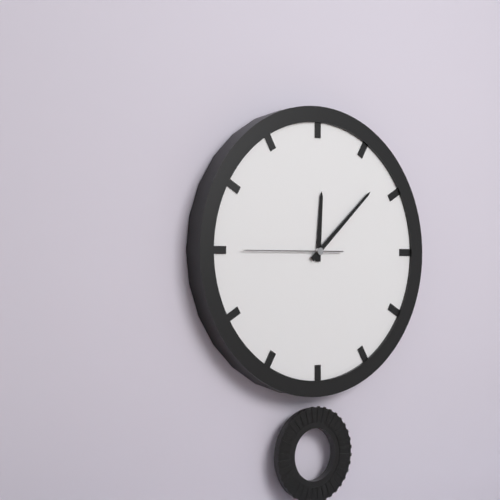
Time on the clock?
12:08:45
